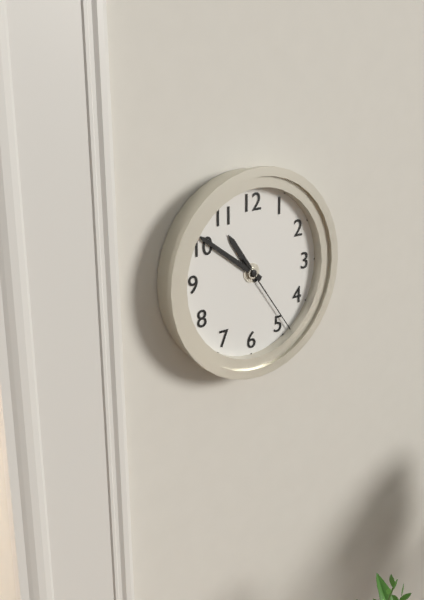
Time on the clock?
10:51:24
